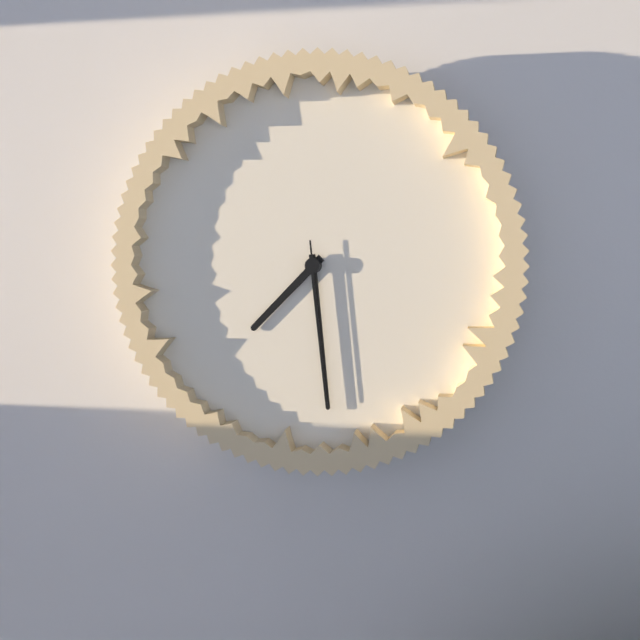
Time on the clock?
7:29:29
